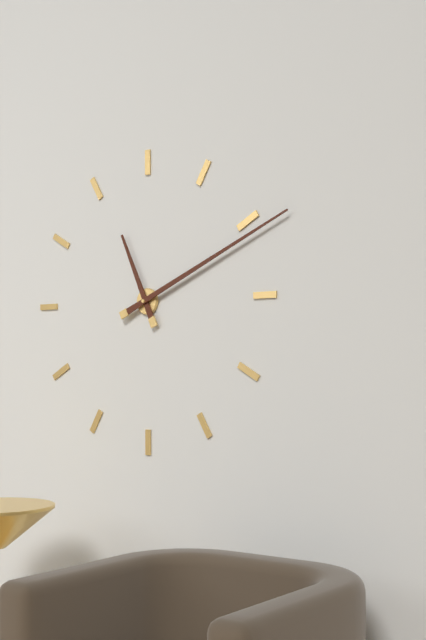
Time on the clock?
11:11
